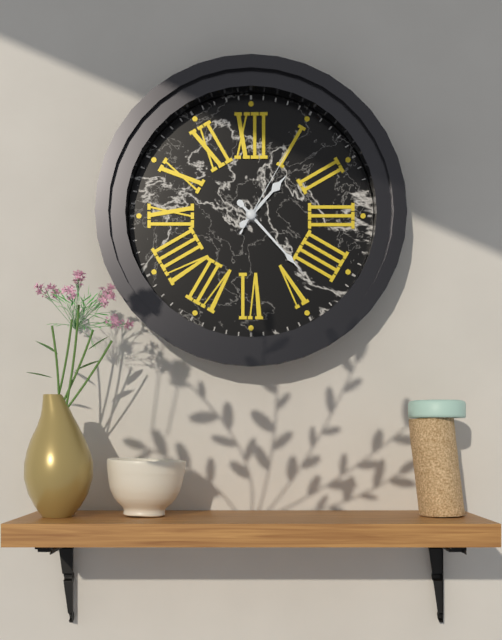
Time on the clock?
1:23:05
